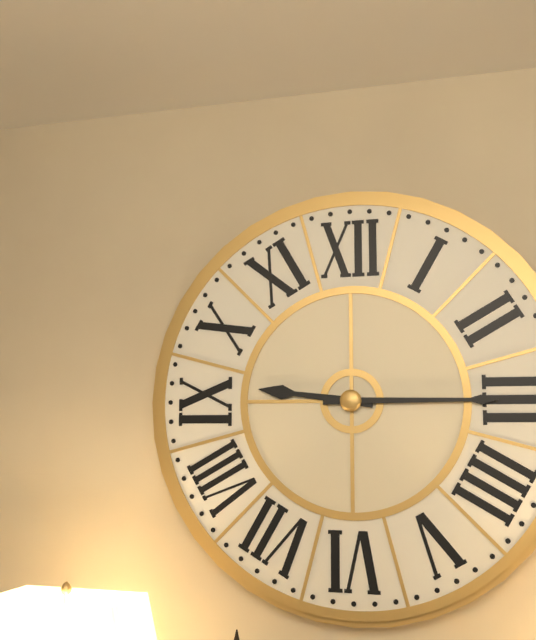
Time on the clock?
9:15
